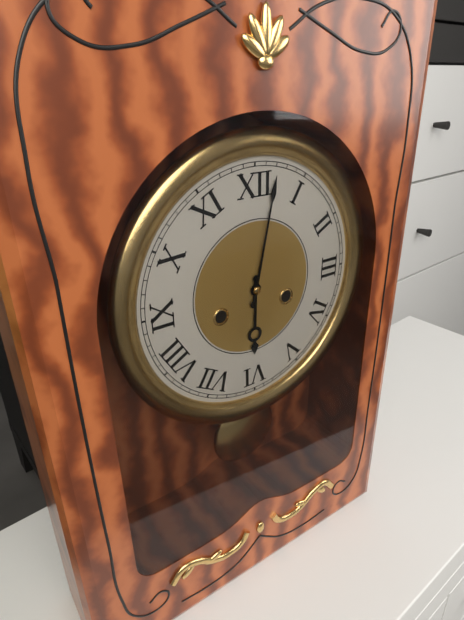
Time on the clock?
6:02
